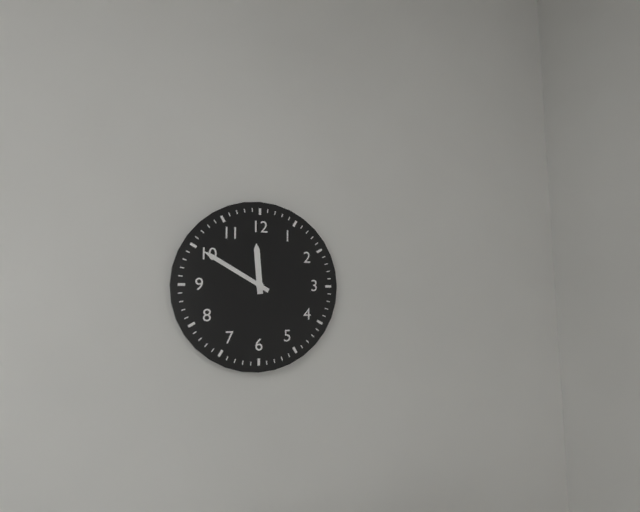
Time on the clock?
11:50
